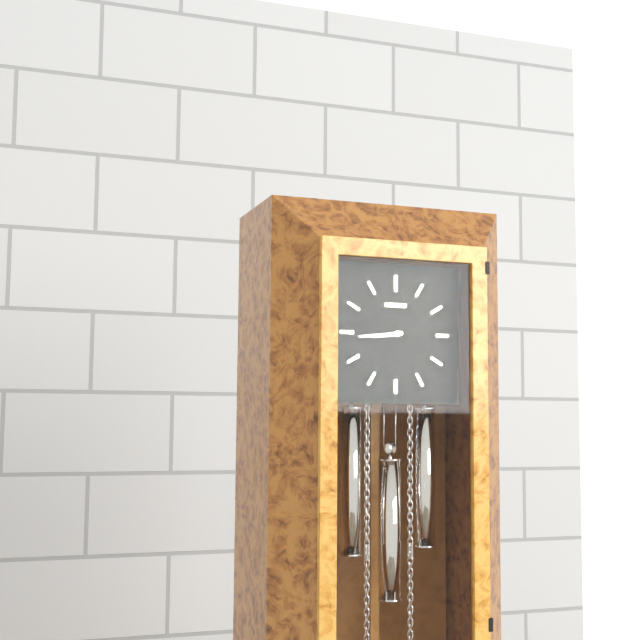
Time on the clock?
8:44
